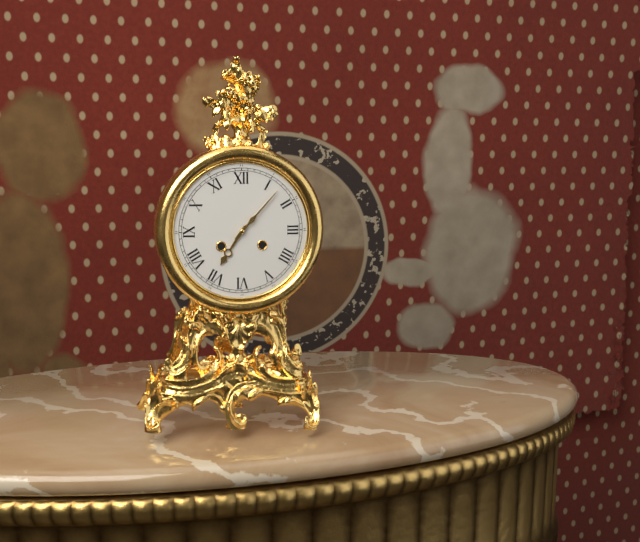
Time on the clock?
7:07
